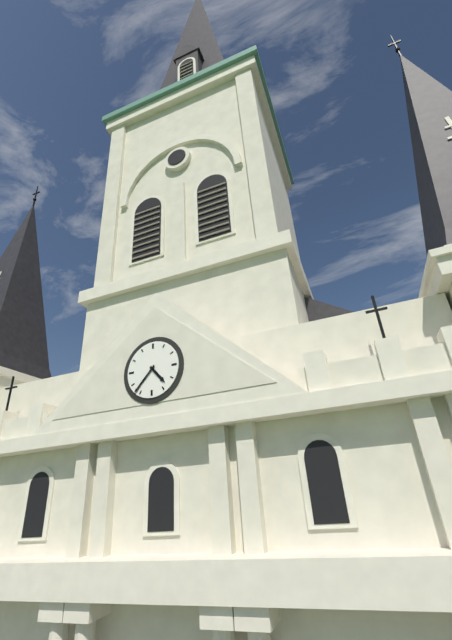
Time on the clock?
4:37
